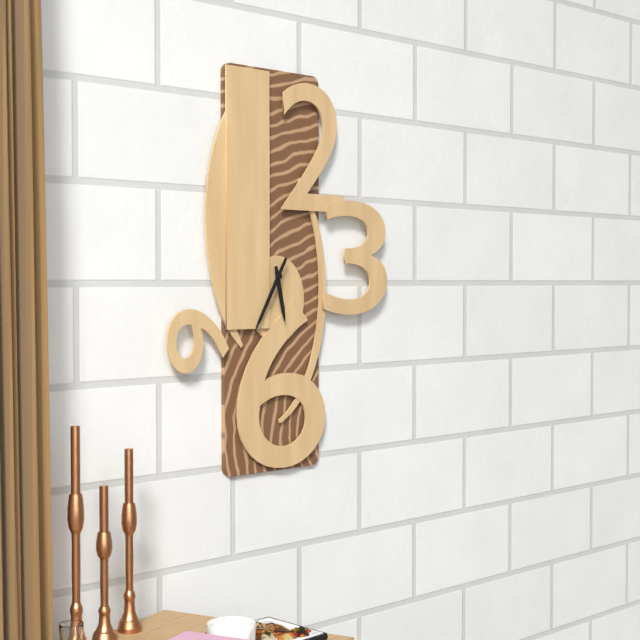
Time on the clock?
5:35
